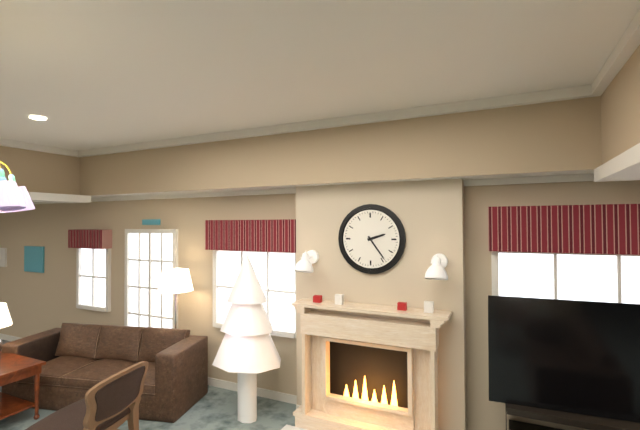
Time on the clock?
2:24
